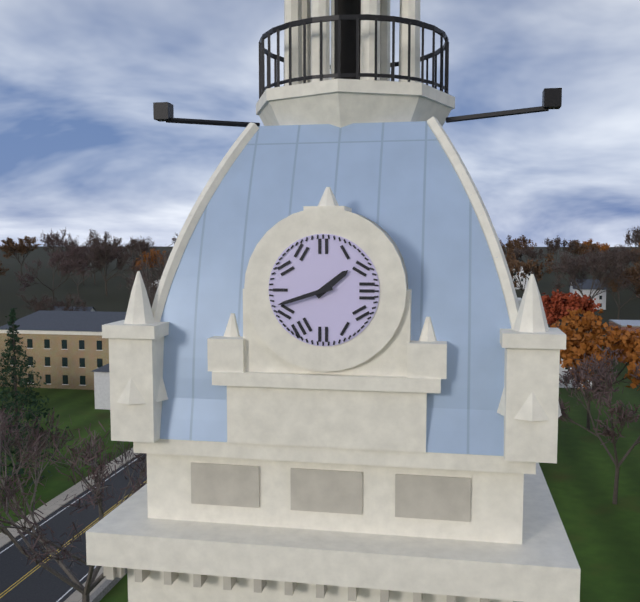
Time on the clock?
1:42
